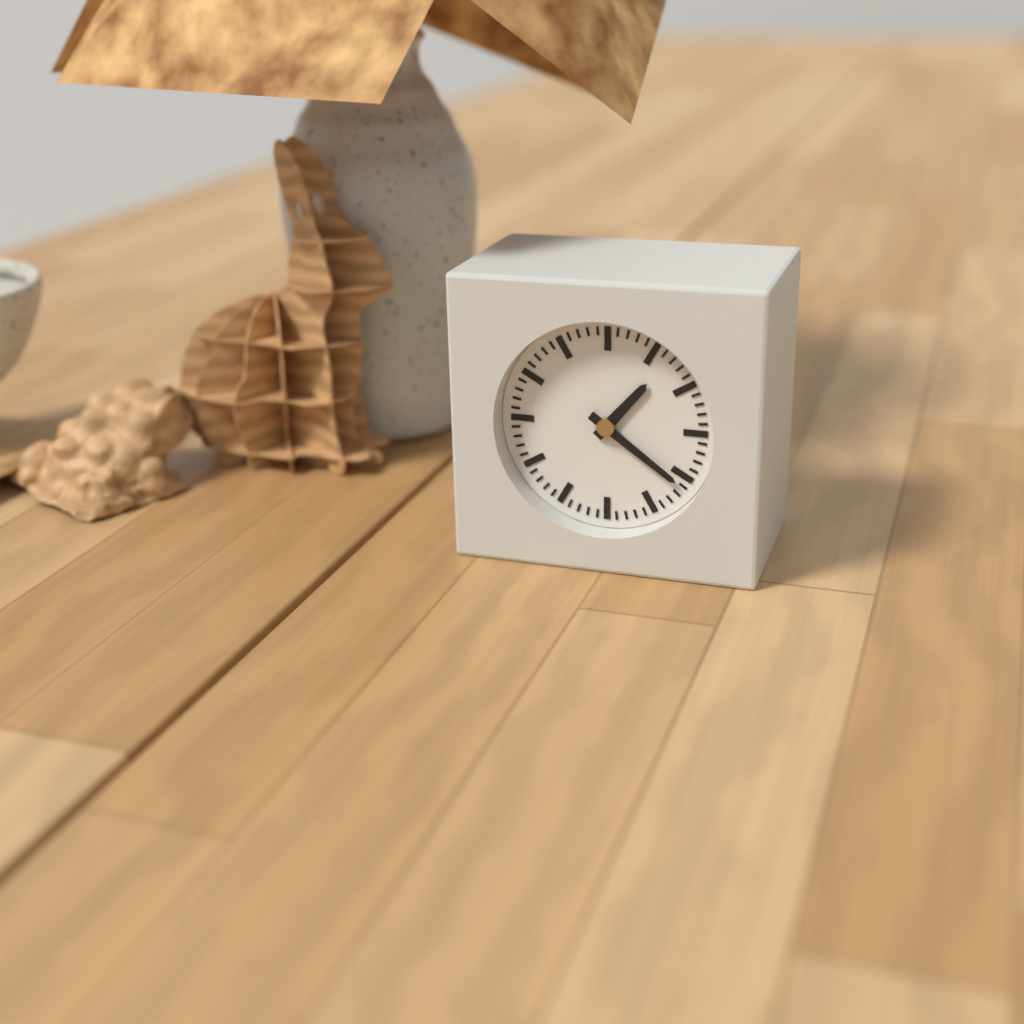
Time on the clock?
1:21
